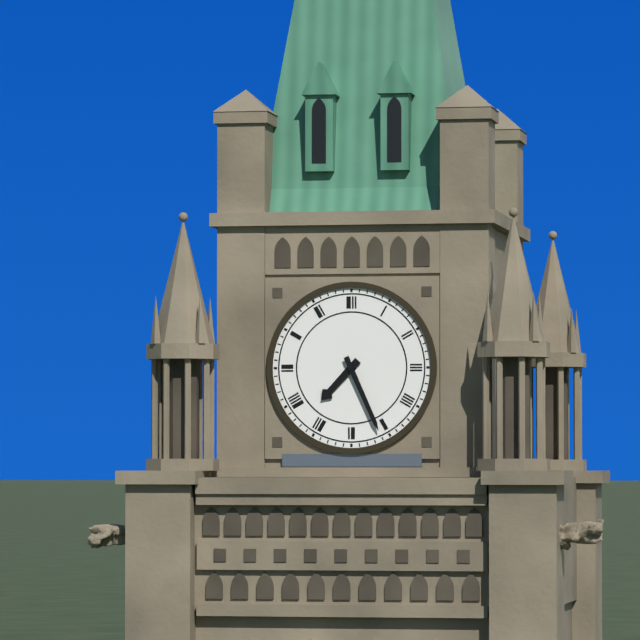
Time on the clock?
7:26
